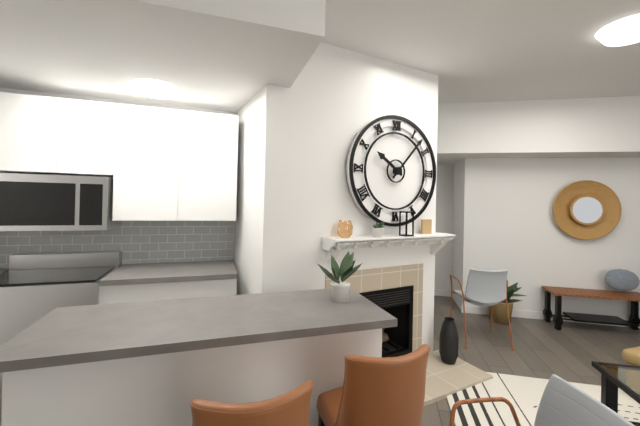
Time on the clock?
10:07
